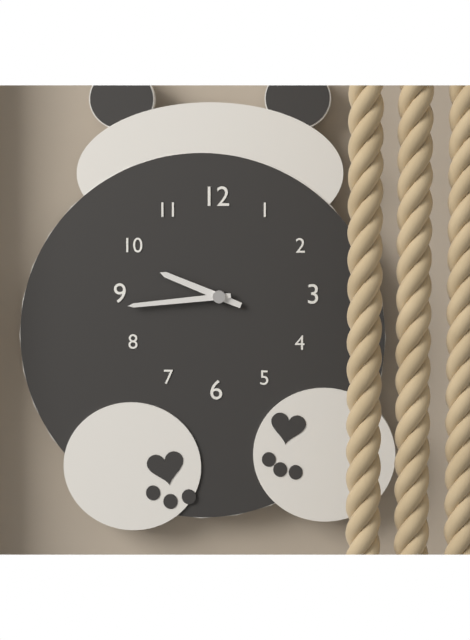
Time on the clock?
9:44
